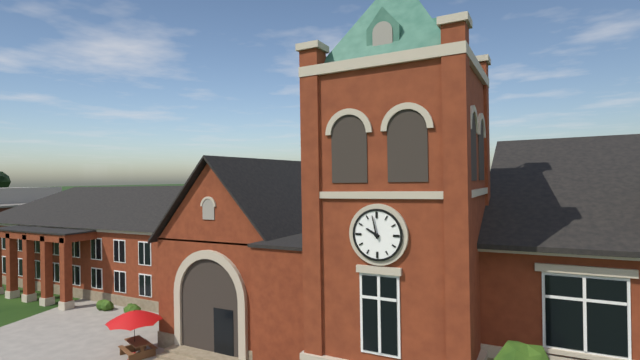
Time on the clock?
9:58
